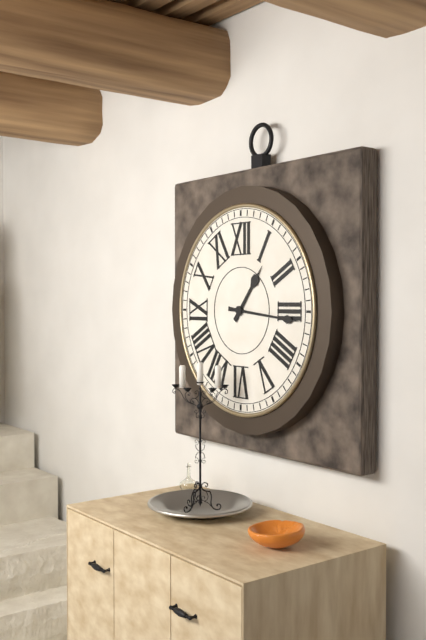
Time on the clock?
1:16
